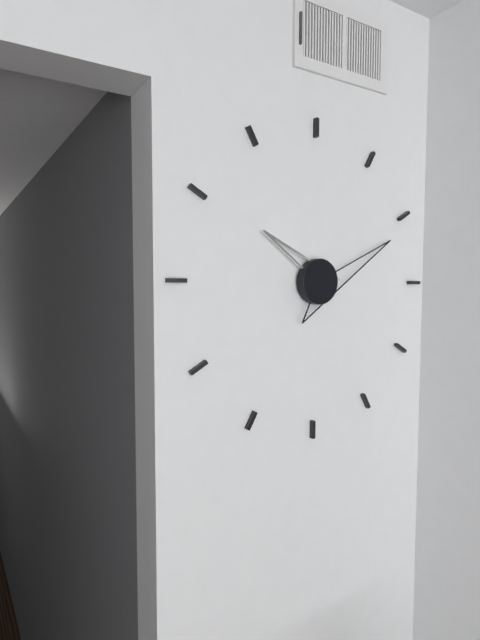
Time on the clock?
10:11
